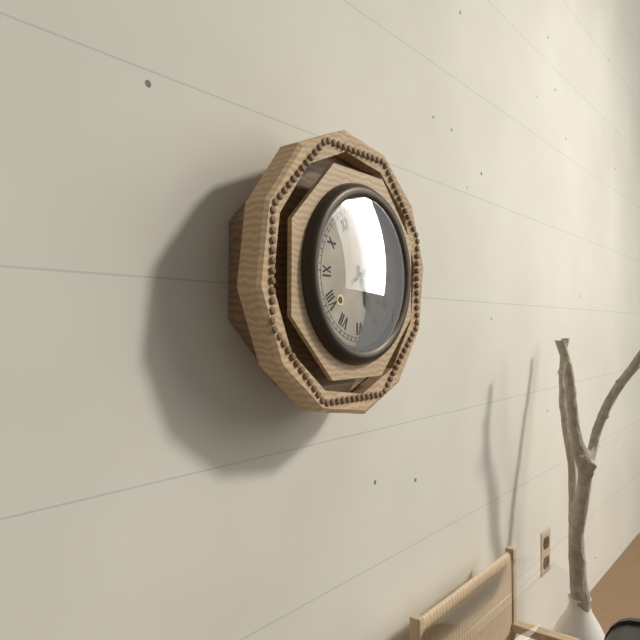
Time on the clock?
5:10
